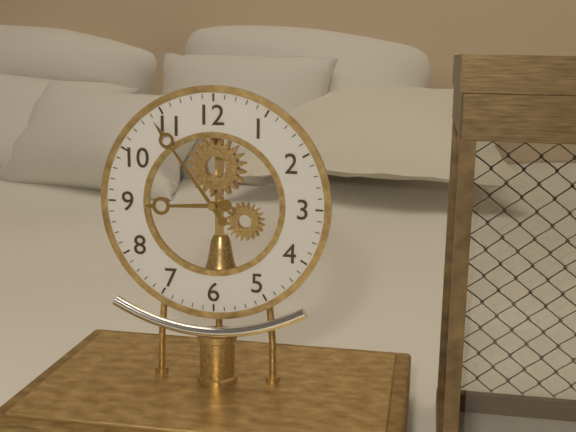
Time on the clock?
8:54
